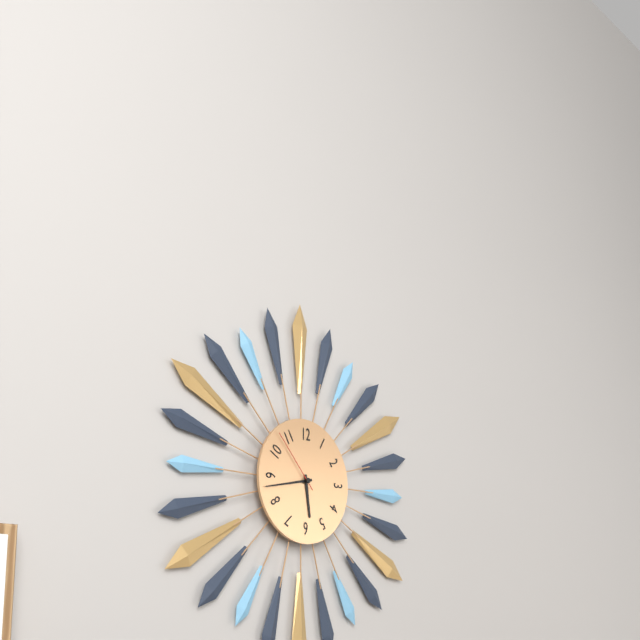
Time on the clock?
5:43:53
